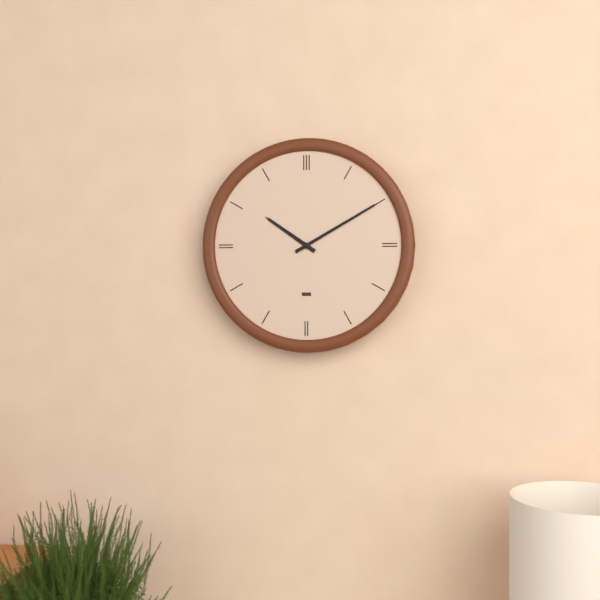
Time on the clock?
10:10
